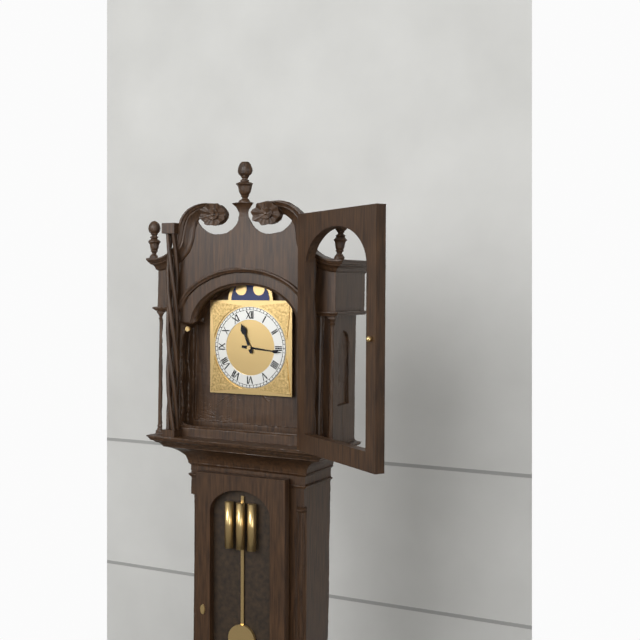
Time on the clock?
11:16
